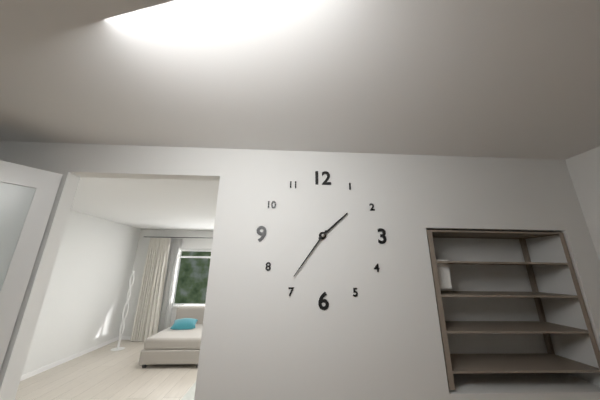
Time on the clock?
1:36
